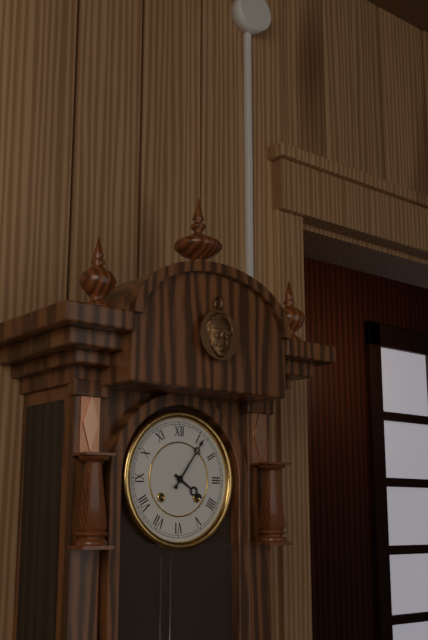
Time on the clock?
4:06
